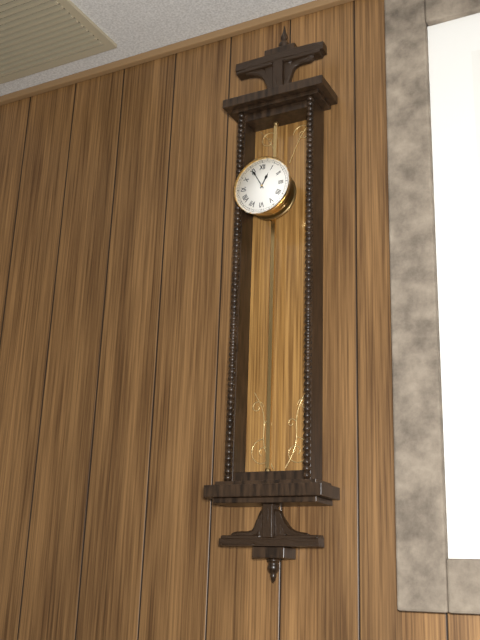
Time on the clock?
12:55
